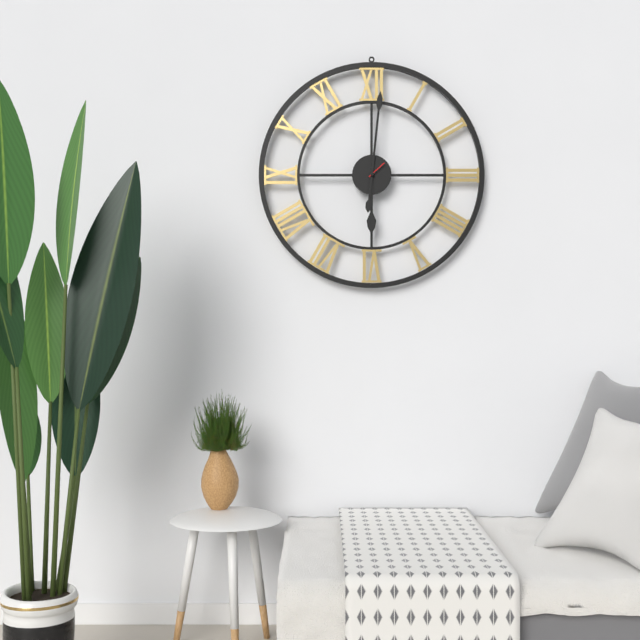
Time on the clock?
6:01
